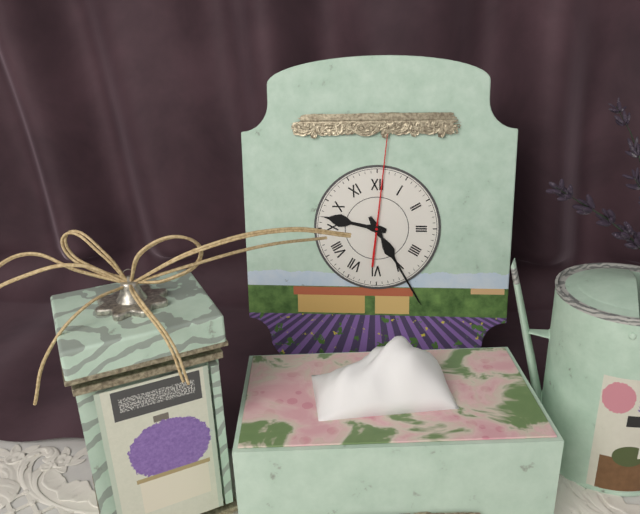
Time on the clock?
9:25:01
